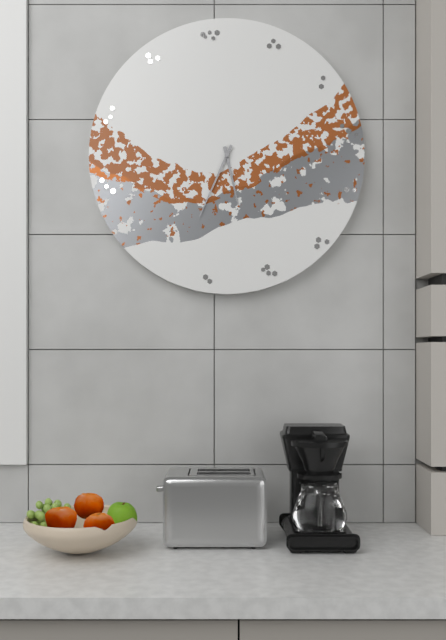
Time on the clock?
5:34
